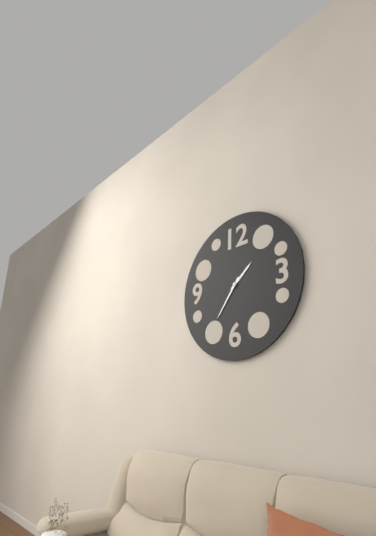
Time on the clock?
1:36
